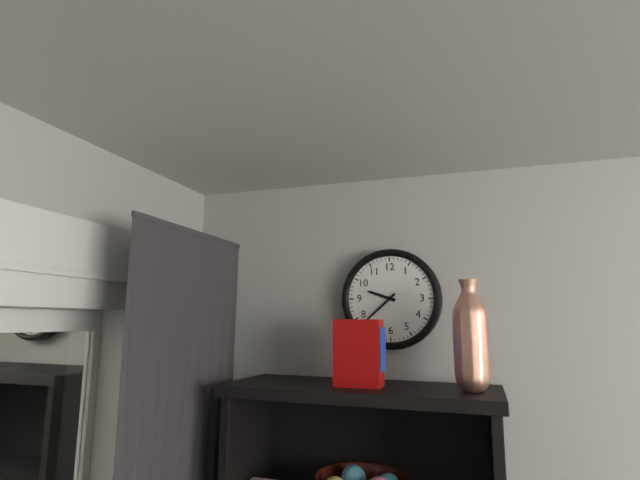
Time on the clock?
9:38
